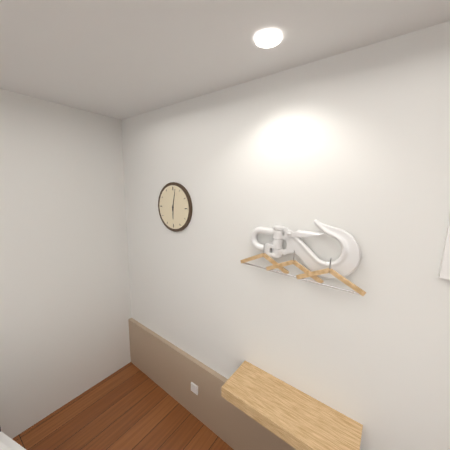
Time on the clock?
6:02
